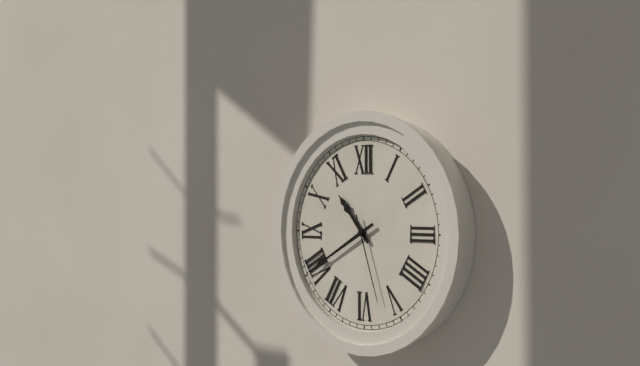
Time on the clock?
10:40:27
